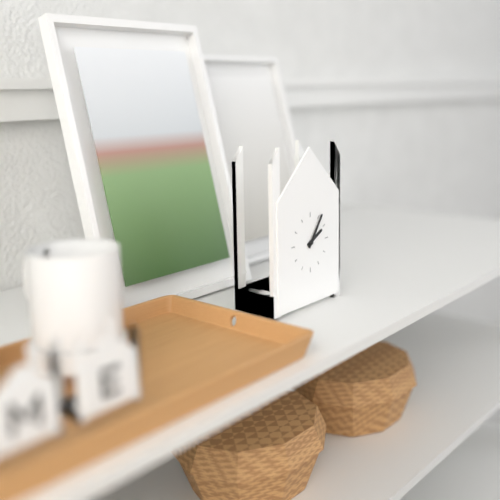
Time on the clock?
2:06
